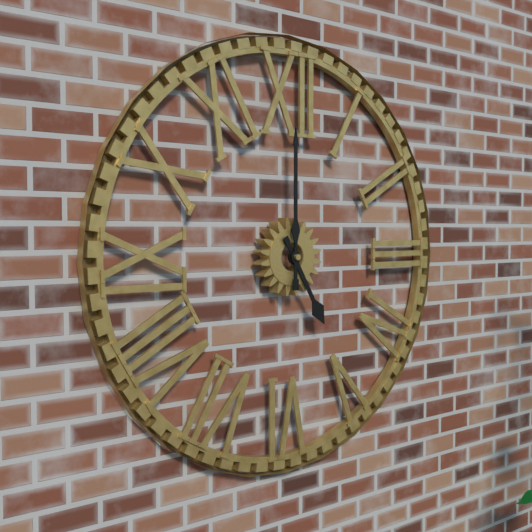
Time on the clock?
5:00
